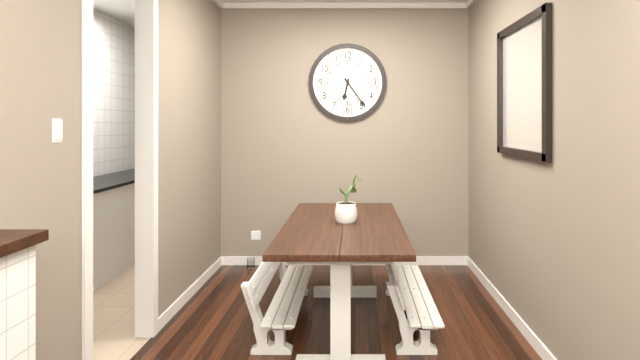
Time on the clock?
6:24
